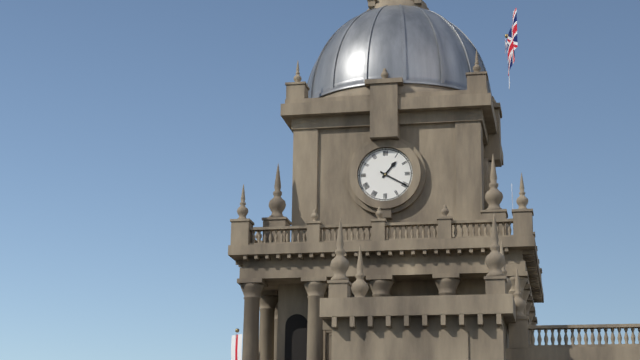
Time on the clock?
1:20
